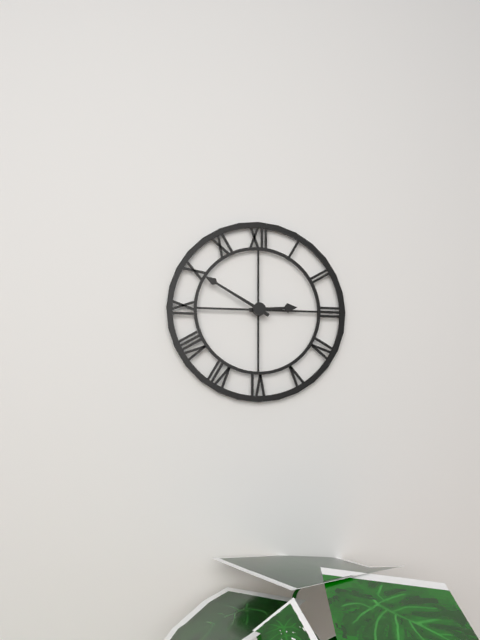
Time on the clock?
2:50
